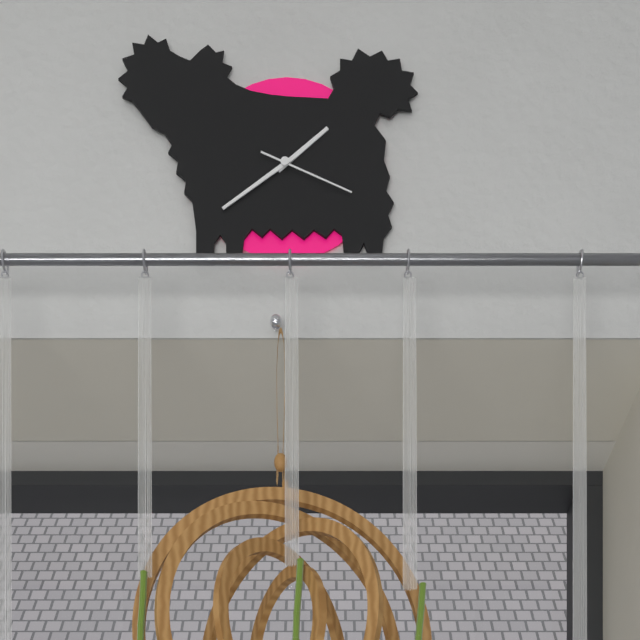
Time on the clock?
1:39:19
